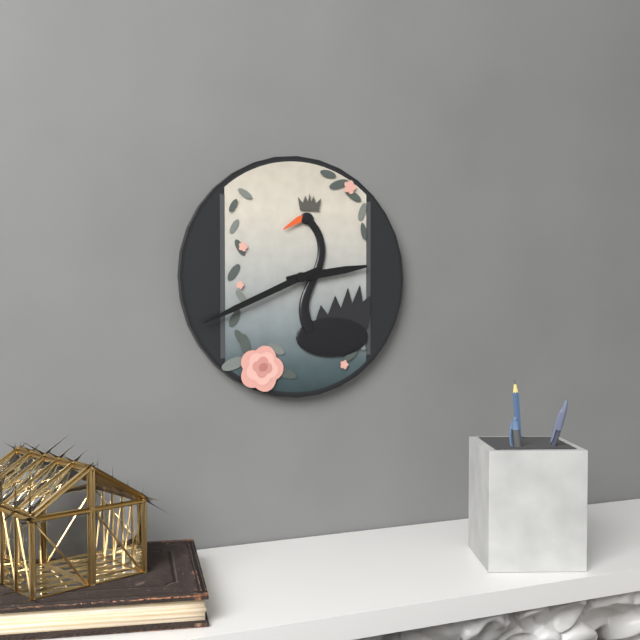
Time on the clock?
2:41
